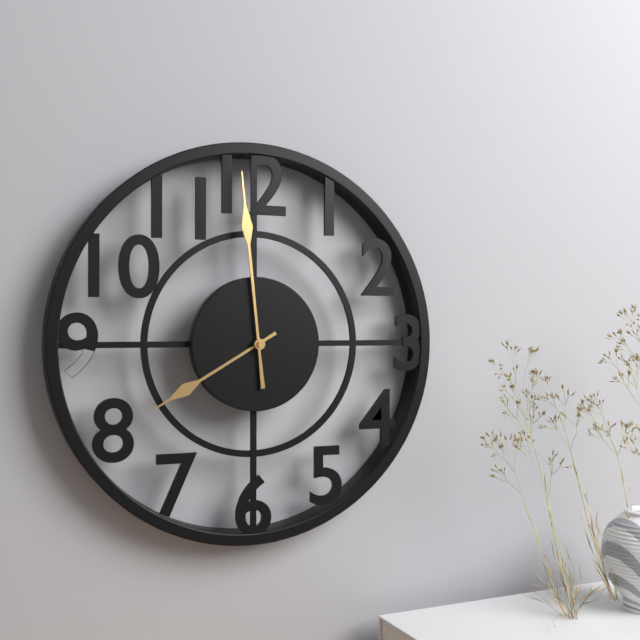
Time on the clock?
7:59
